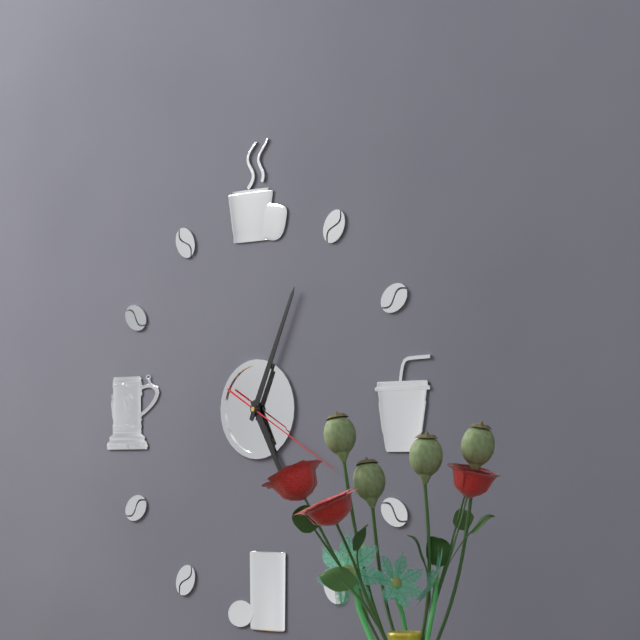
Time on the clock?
5:04:20
